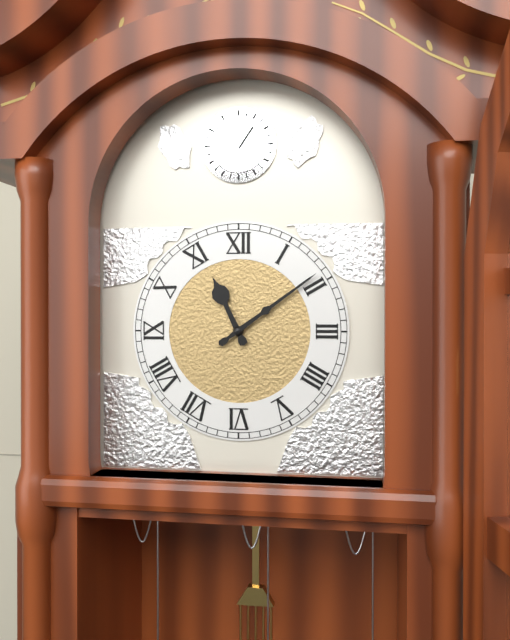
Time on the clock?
11:09
